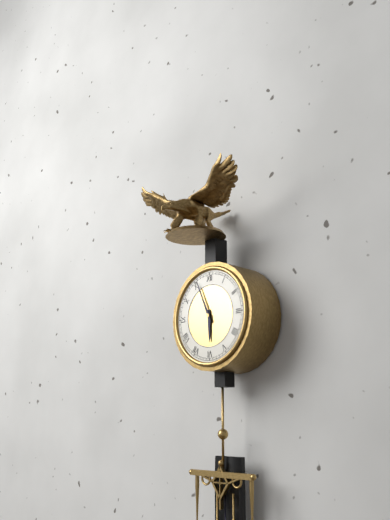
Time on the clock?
5:56
